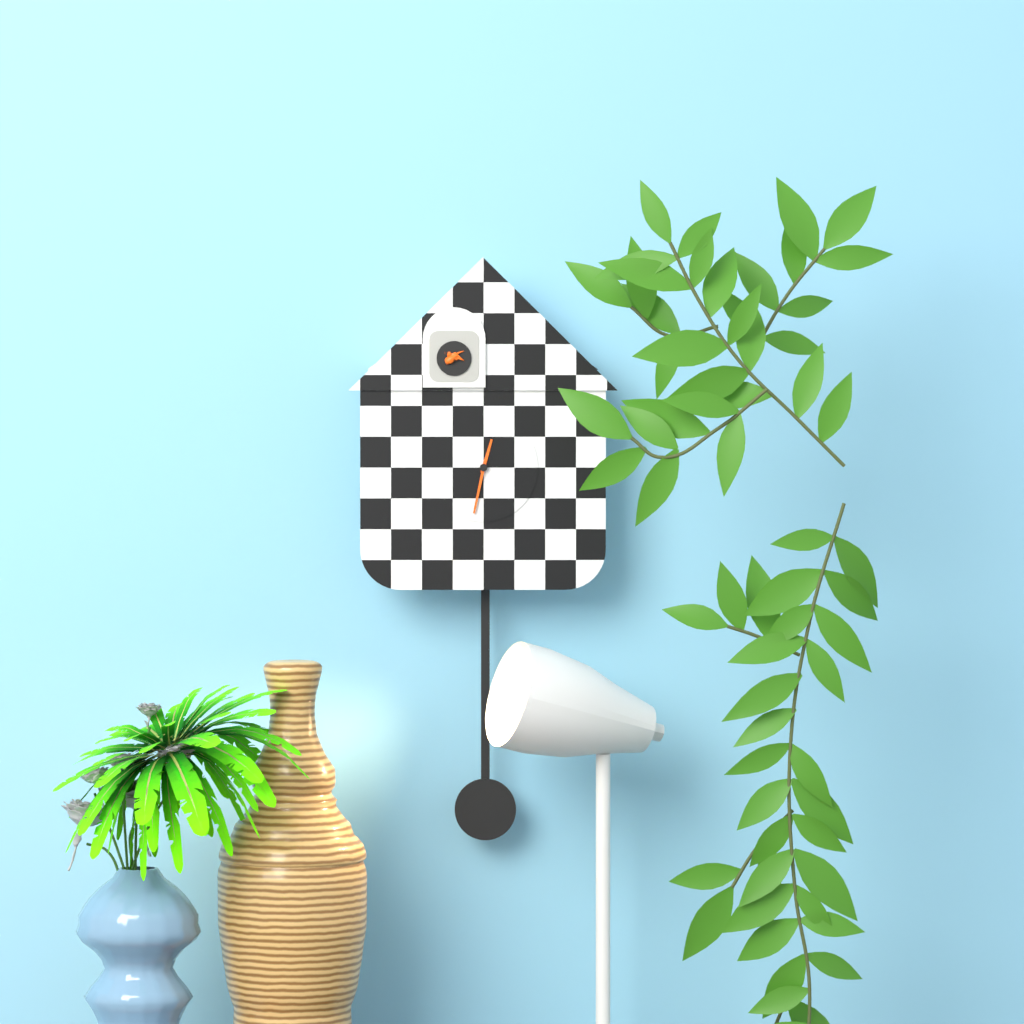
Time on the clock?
12:32
